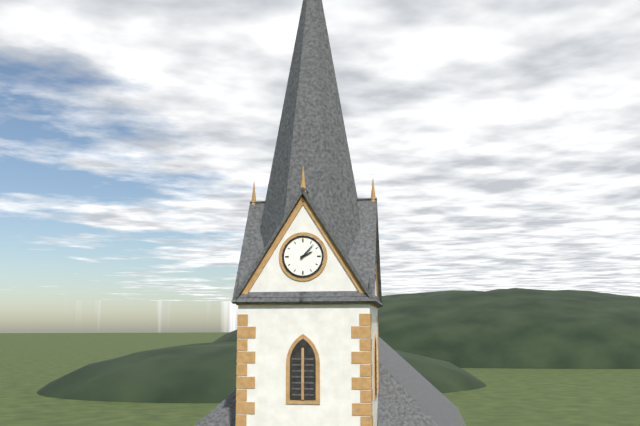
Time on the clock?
2:07
